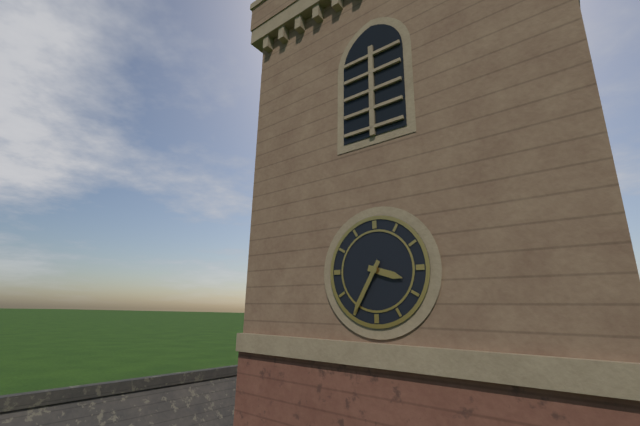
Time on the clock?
3:35
